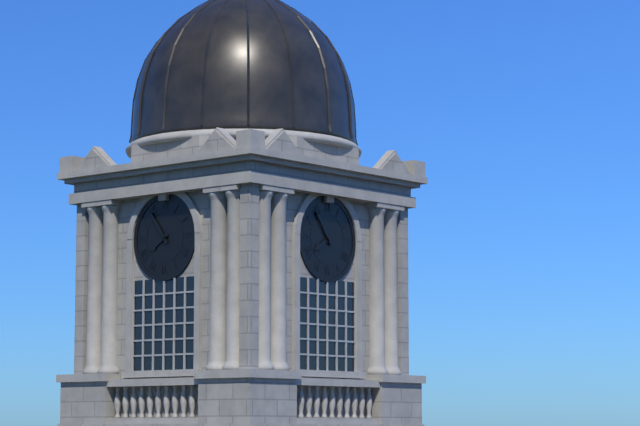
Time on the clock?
7:54
